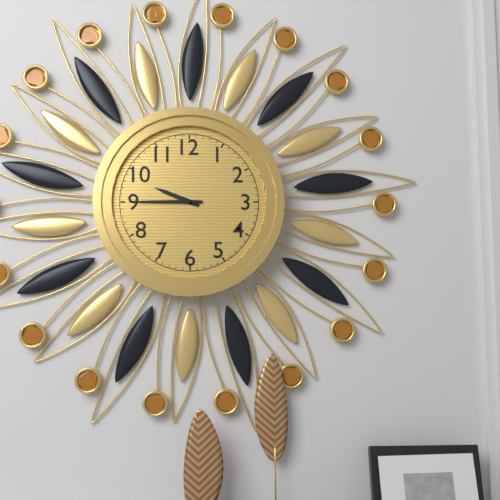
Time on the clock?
9:45
